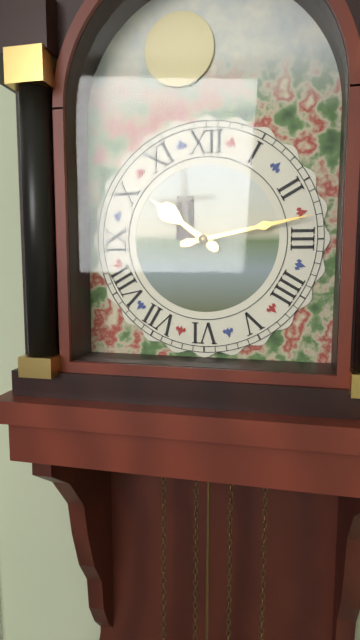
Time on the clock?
10:13
